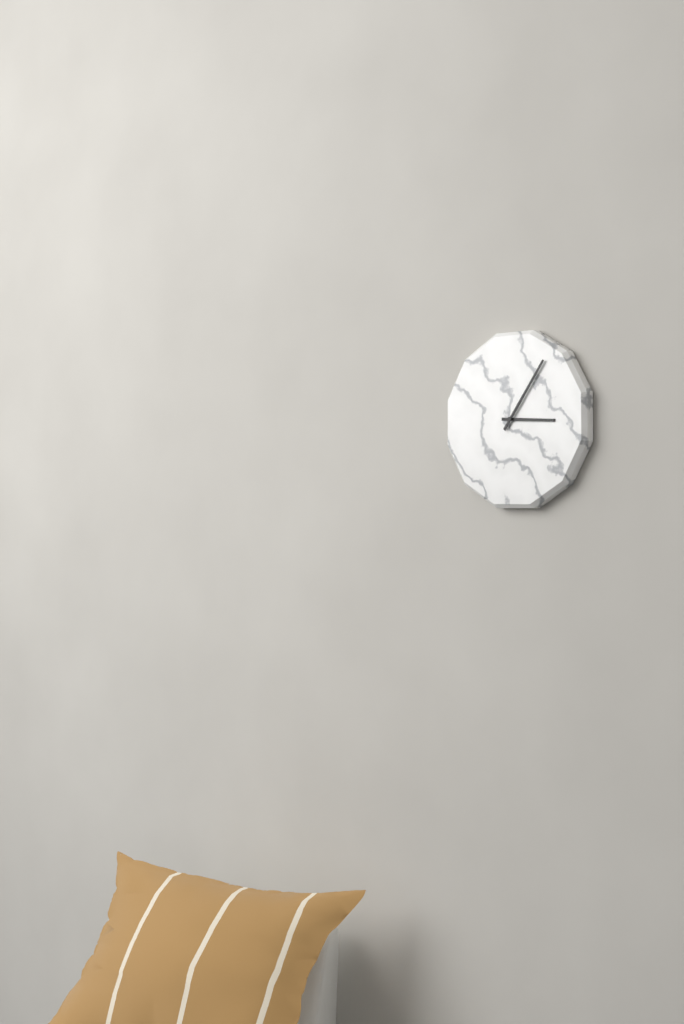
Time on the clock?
3:06
